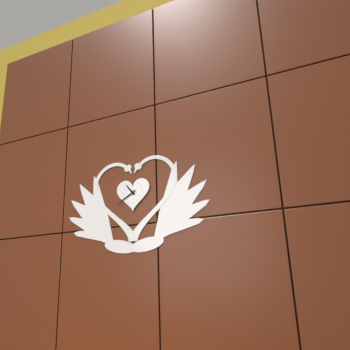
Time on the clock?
10:40
